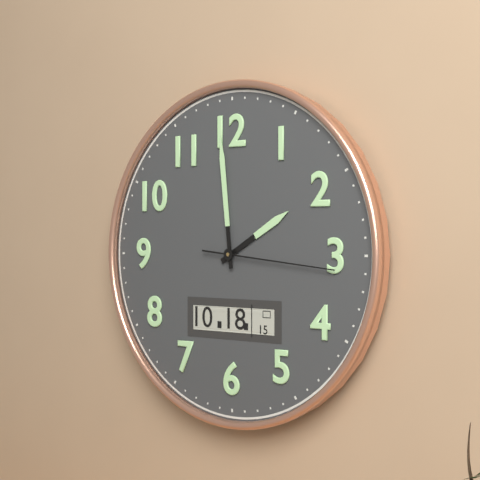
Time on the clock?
1:59:16
